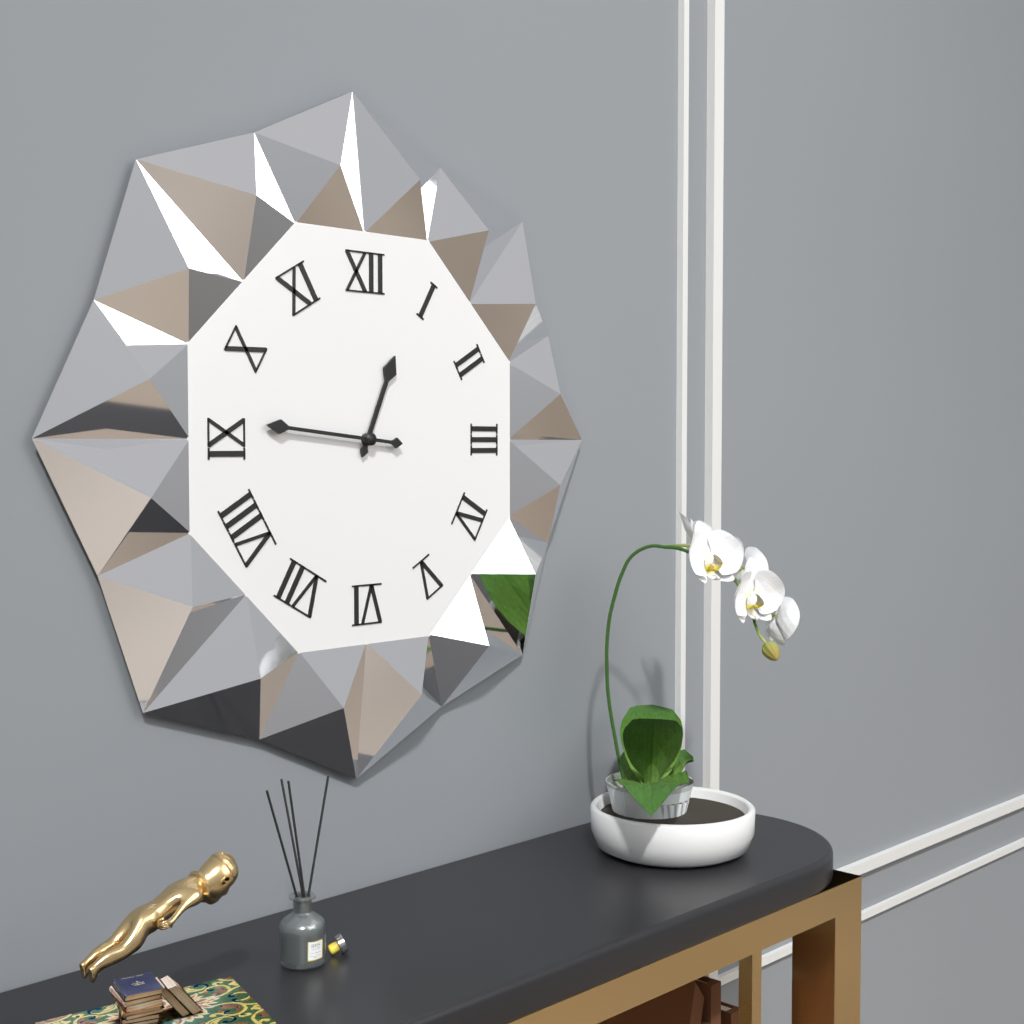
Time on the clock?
12:46
